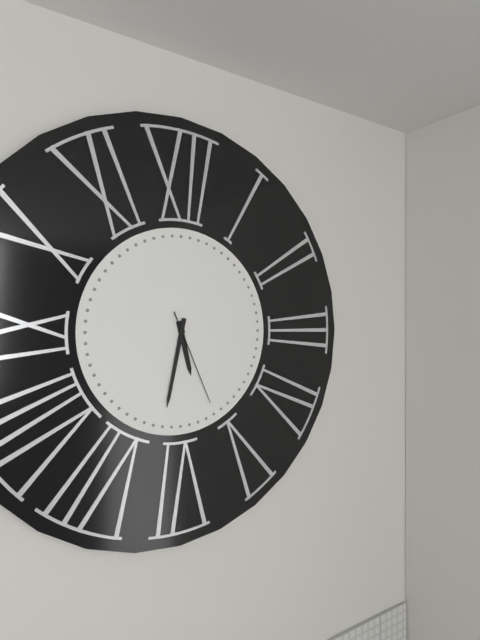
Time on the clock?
5:32:26
